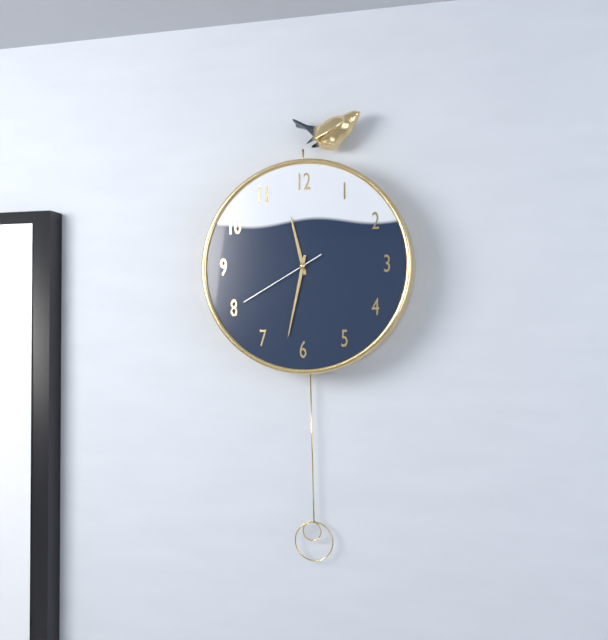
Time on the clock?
11:32:40
